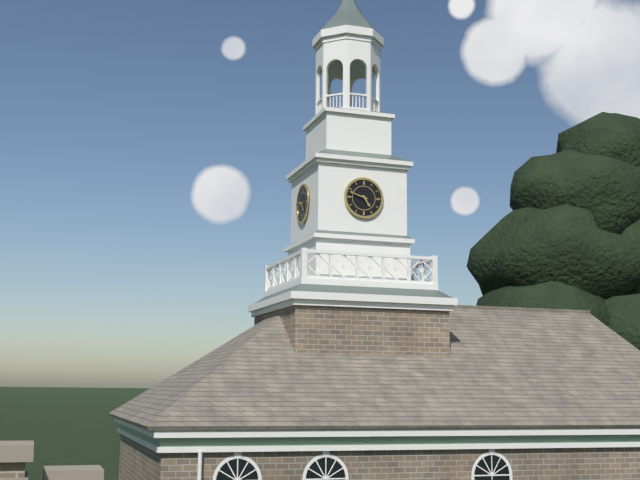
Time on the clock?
4:48
